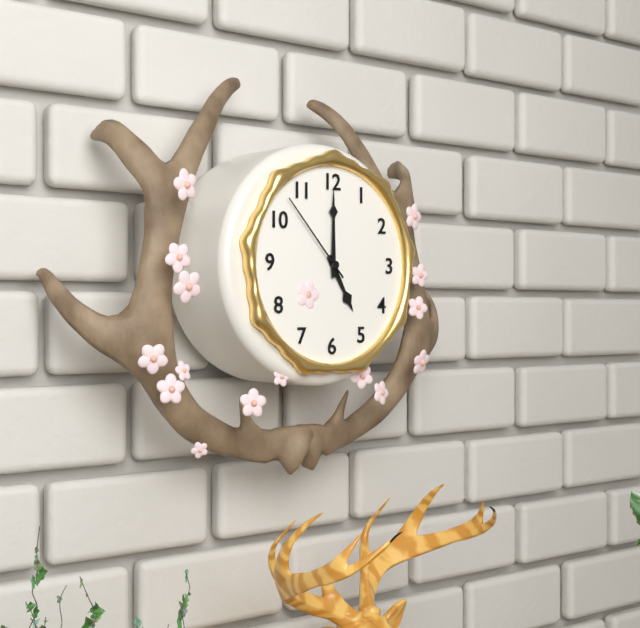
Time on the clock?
5:00:53
